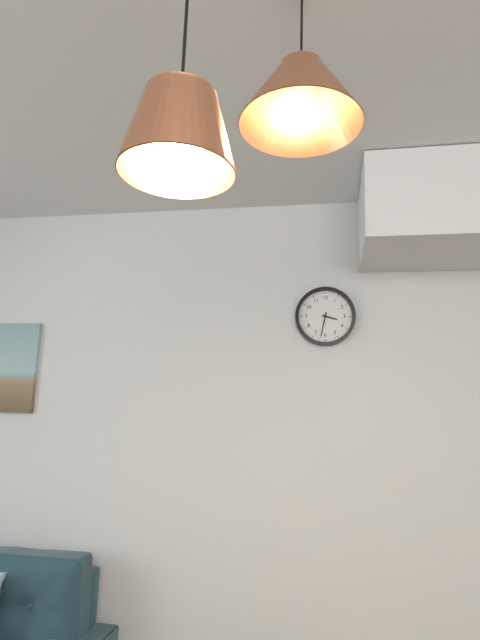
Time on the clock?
3:32
